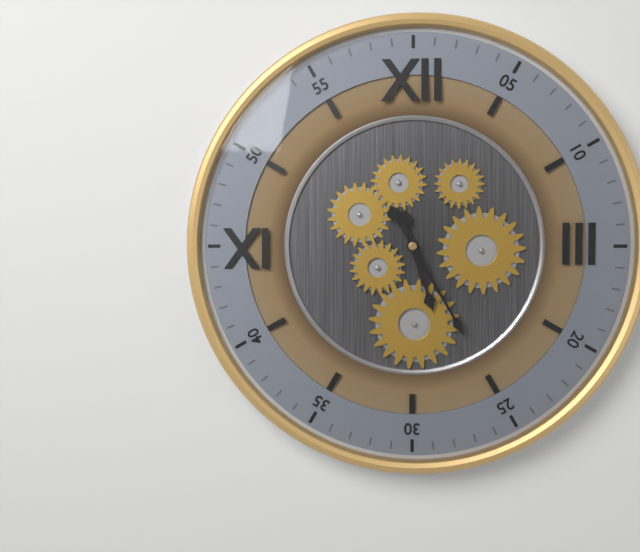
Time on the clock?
5:25
